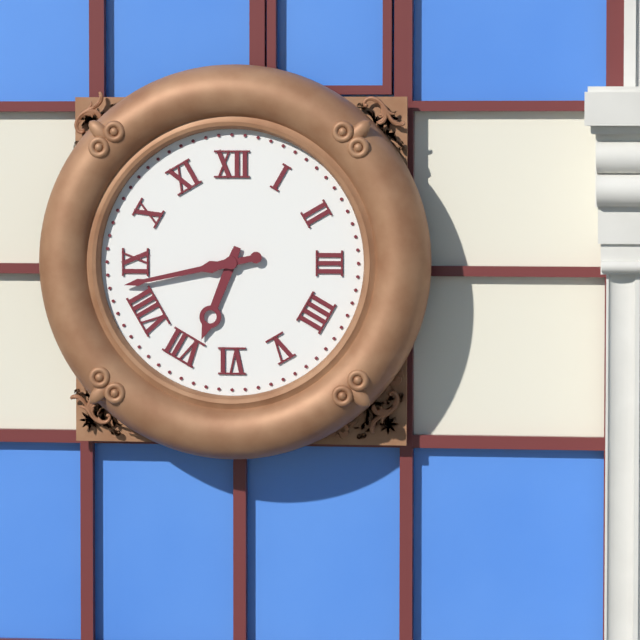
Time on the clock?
6:43
